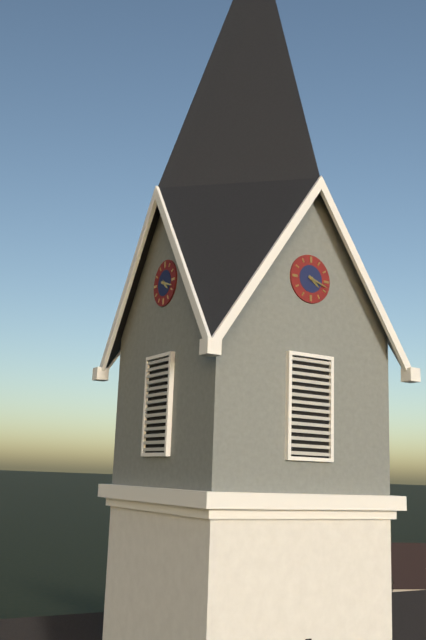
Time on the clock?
4:18
